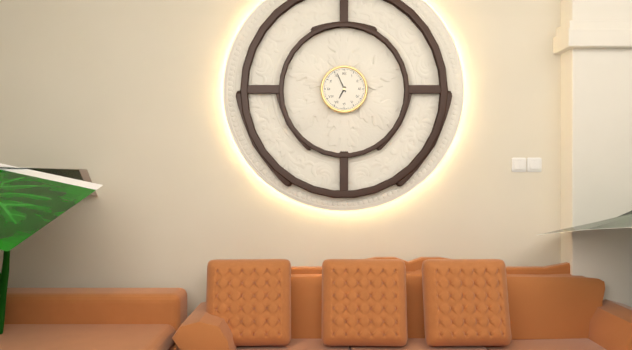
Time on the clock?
6:56
